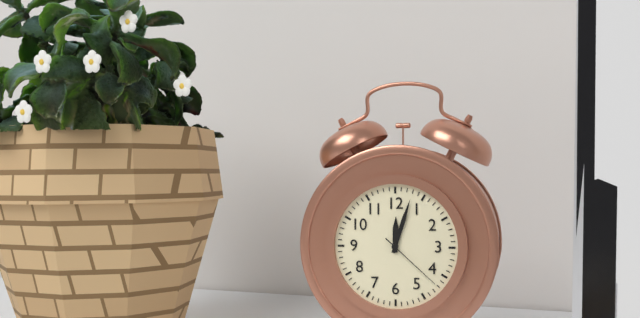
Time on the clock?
12:03:22
